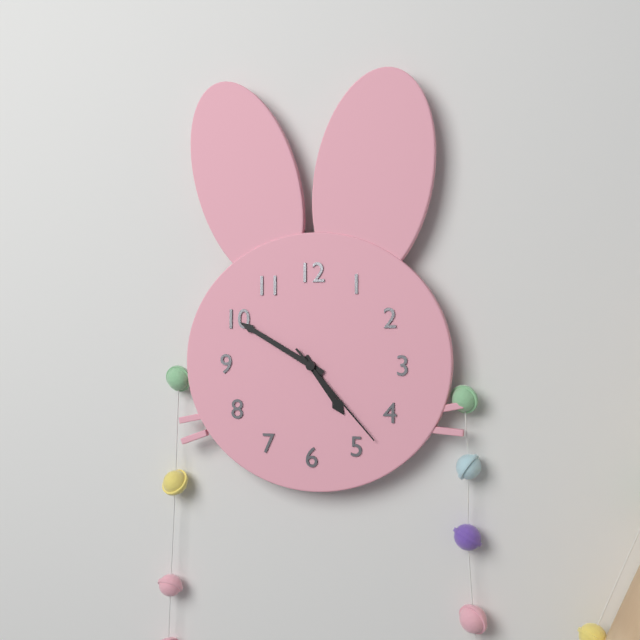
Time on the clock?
4:50:23
